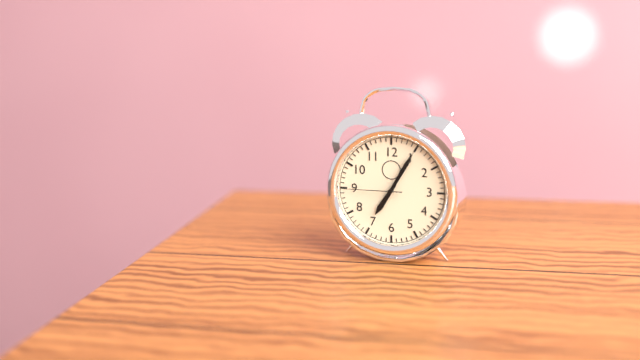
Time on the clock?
7:05:45
